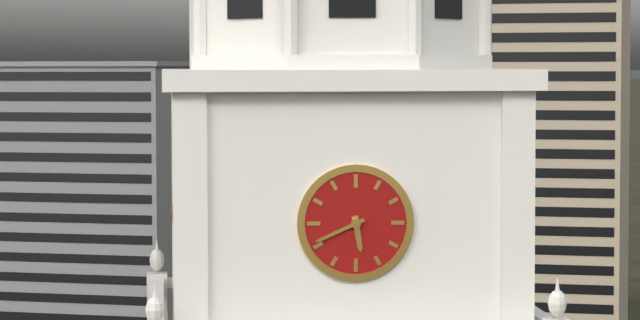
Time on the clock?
5:41
